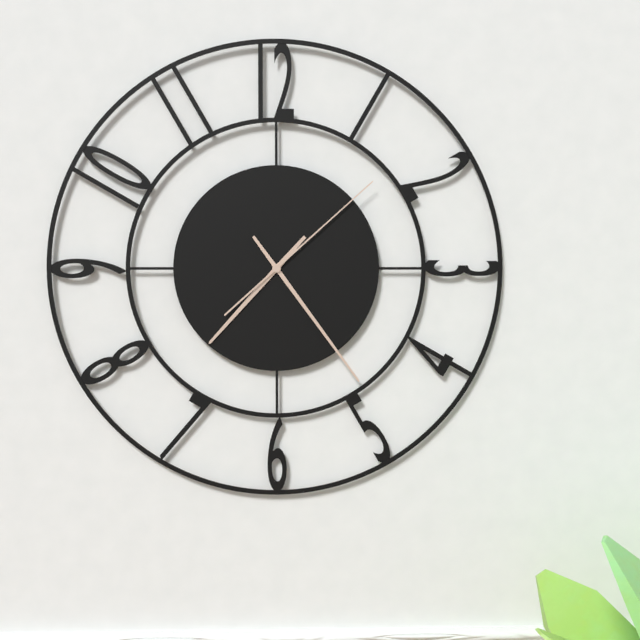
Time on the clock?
7:24:08
